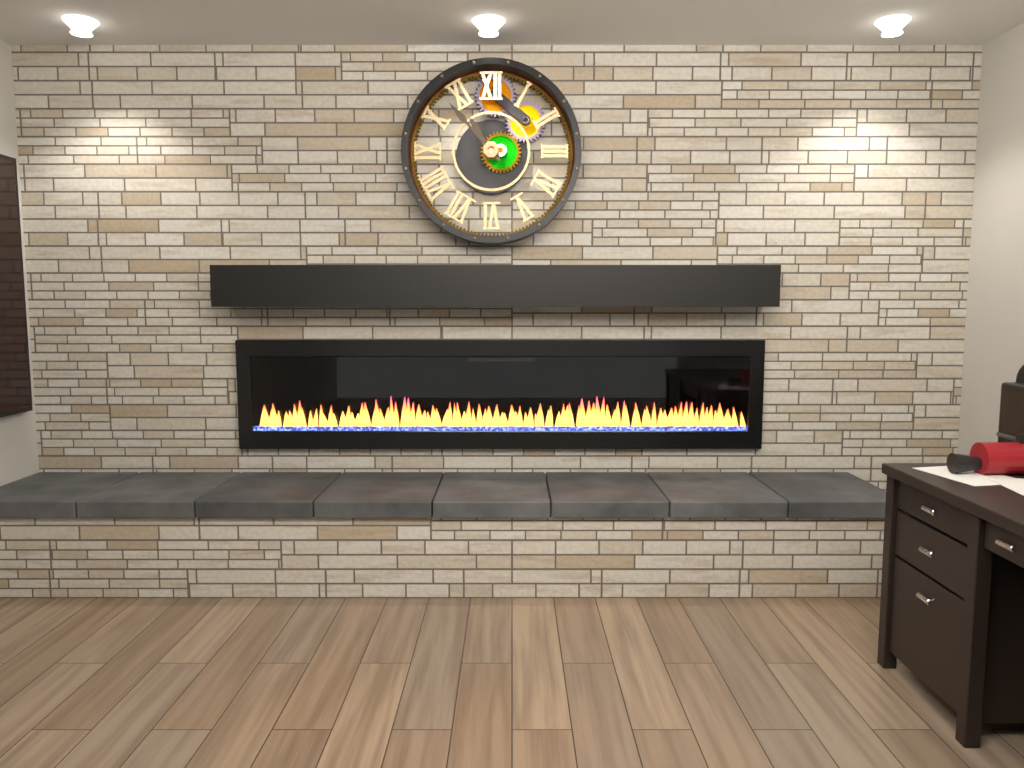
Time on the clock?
10:53
